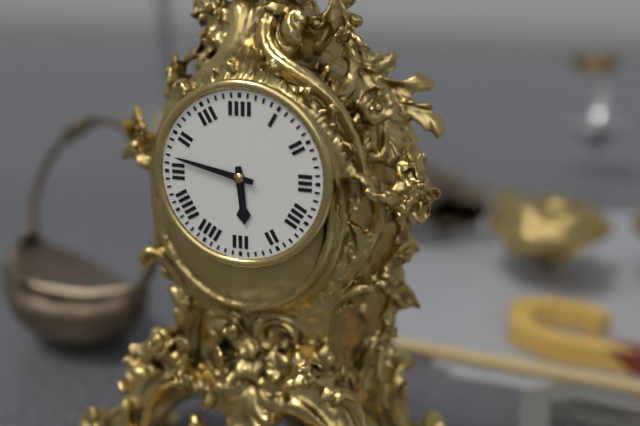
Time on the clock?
5:47
